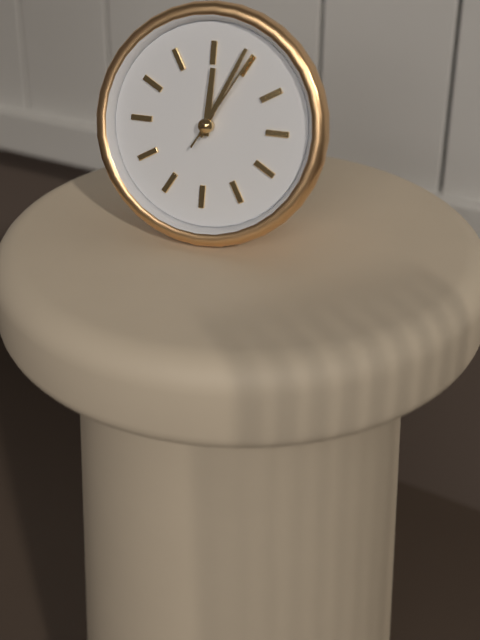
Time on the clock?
12:04:05
